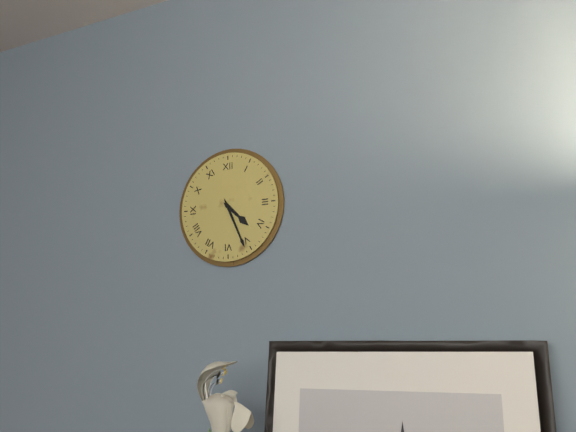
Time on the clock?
4:26
